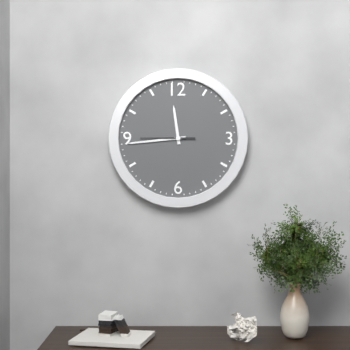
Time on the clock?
11:44
